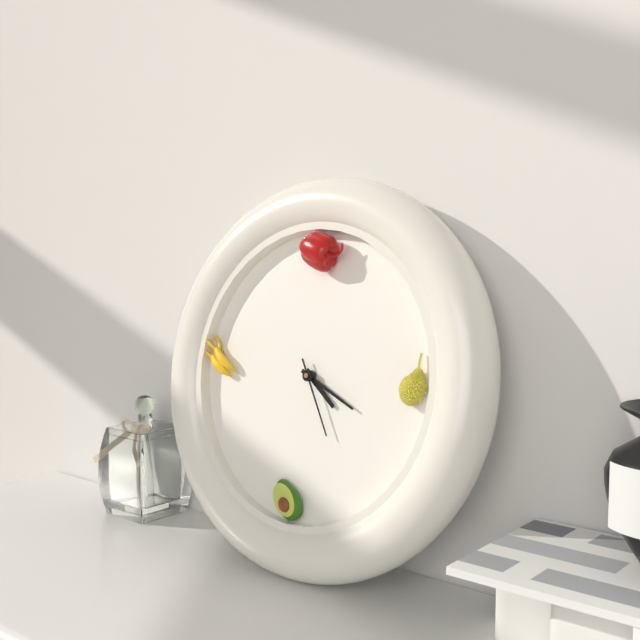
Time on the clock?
4:19:25
